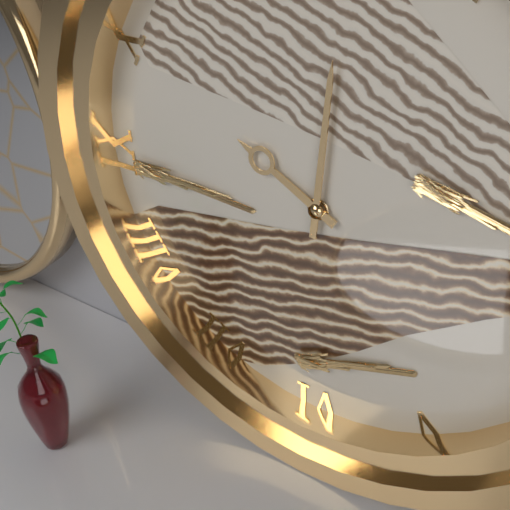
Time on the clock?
10:01
